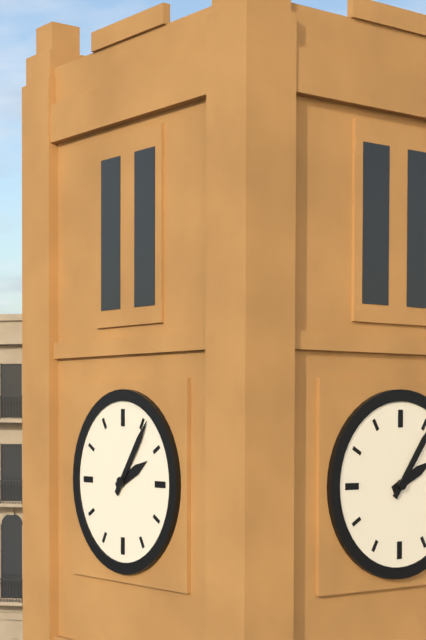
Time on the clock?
2:06
